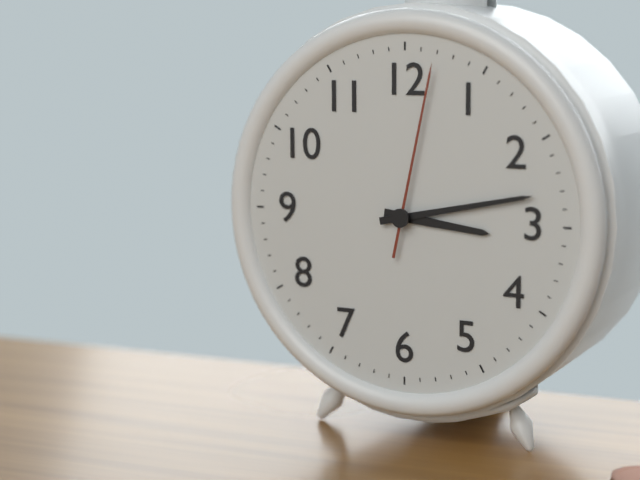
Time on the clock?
3:13:02
